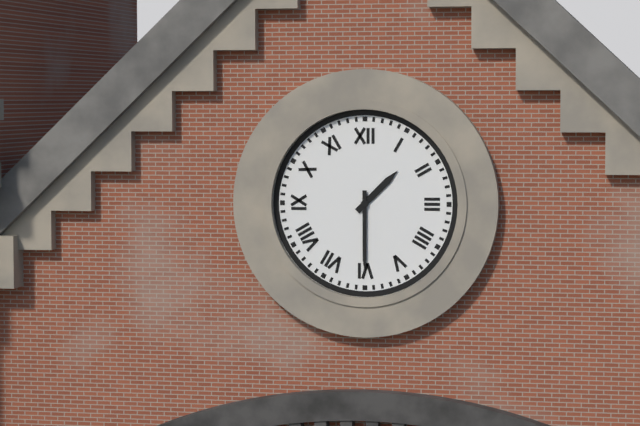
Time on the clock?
1:30
